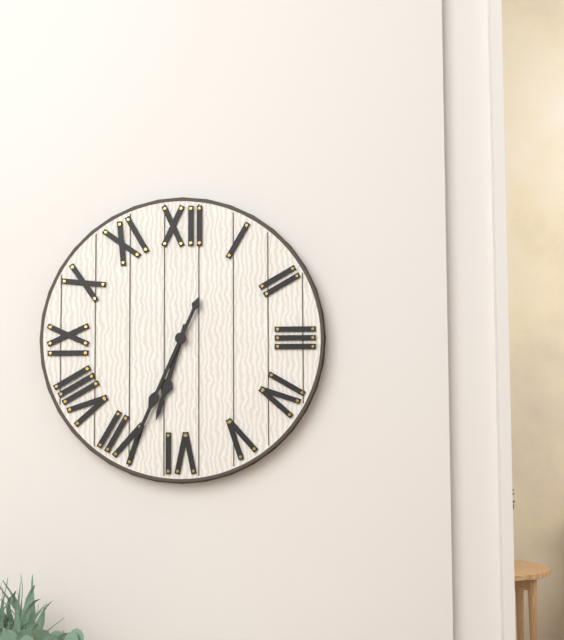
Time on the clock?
6:34
